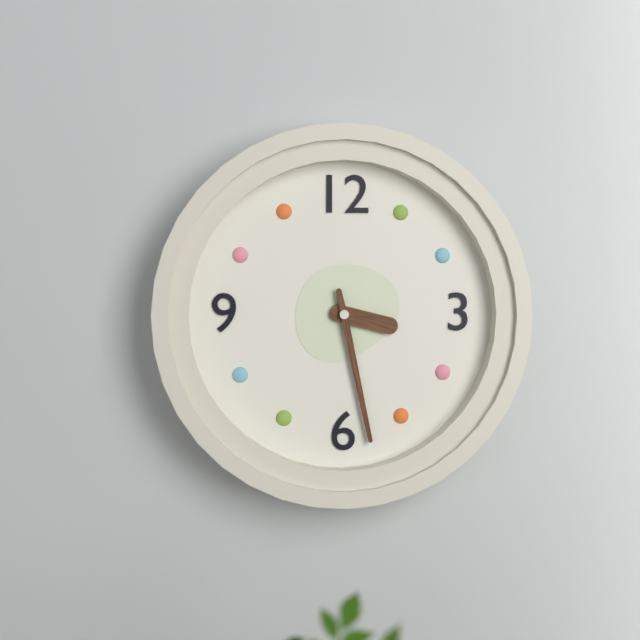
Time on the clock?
3:28
